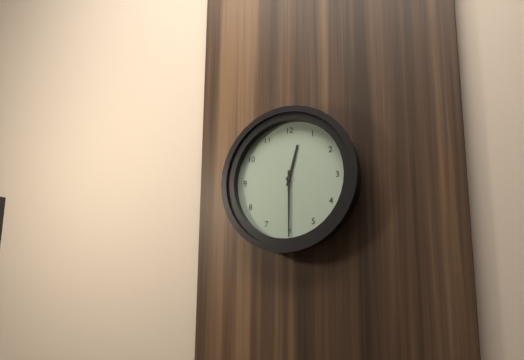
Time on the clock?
12:30
